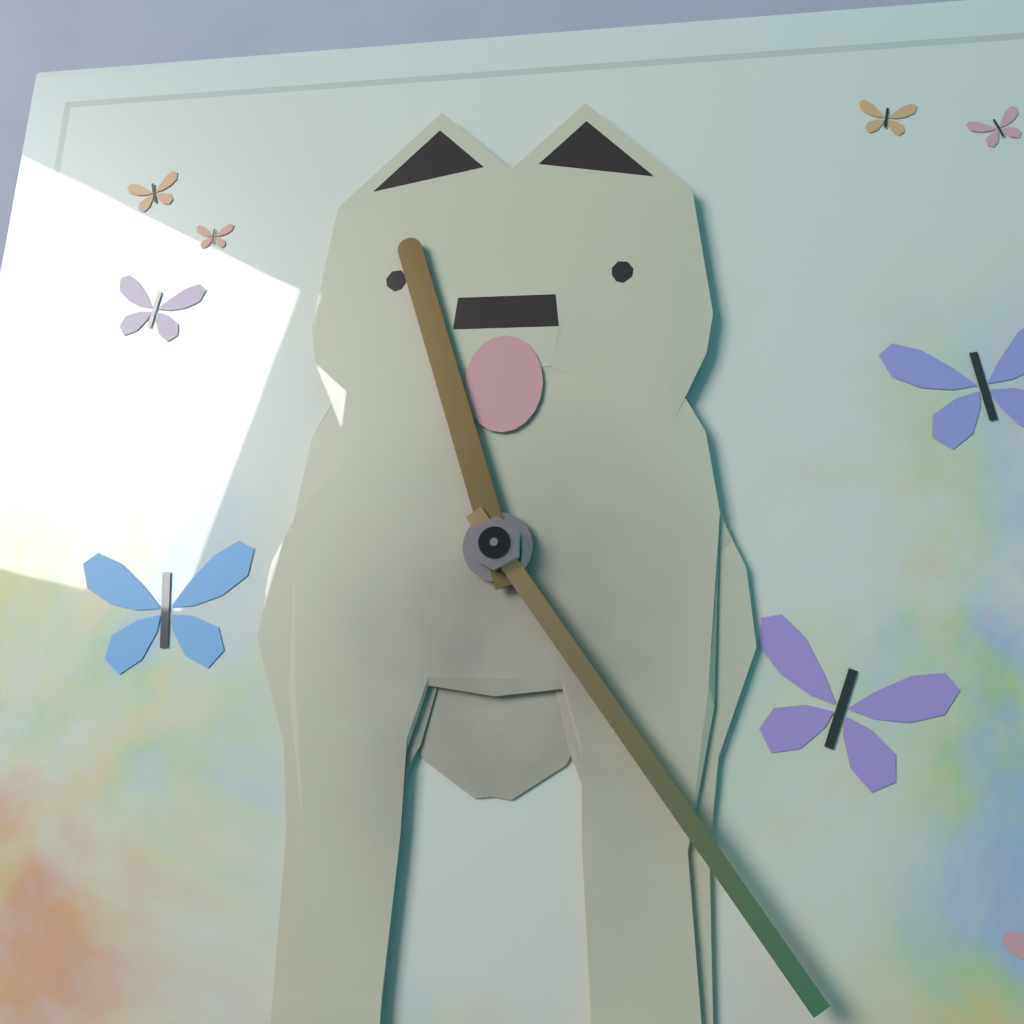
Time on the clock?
11:24
